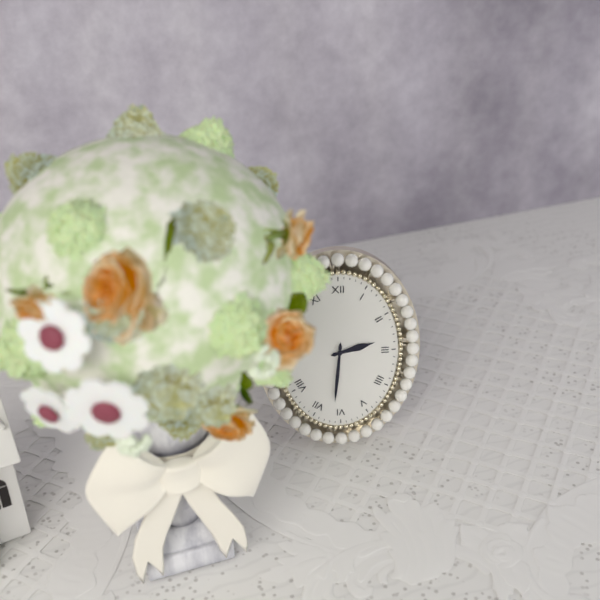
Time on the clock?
2:31
